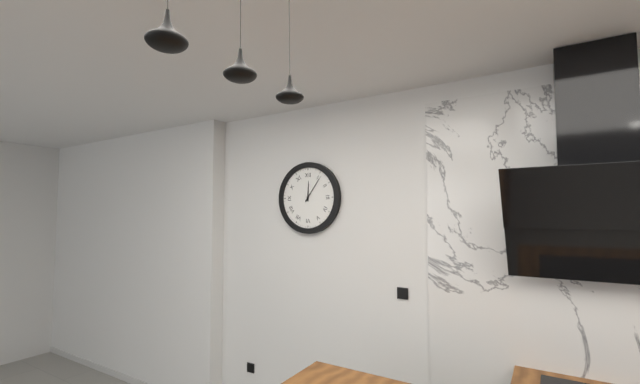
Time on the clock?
12:06
